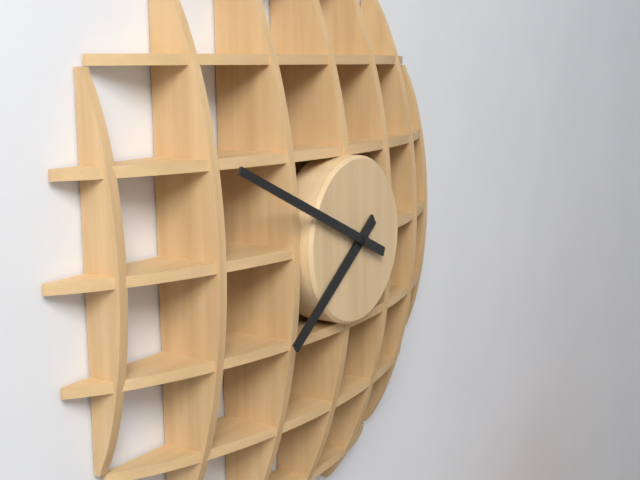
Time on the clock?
7:49
